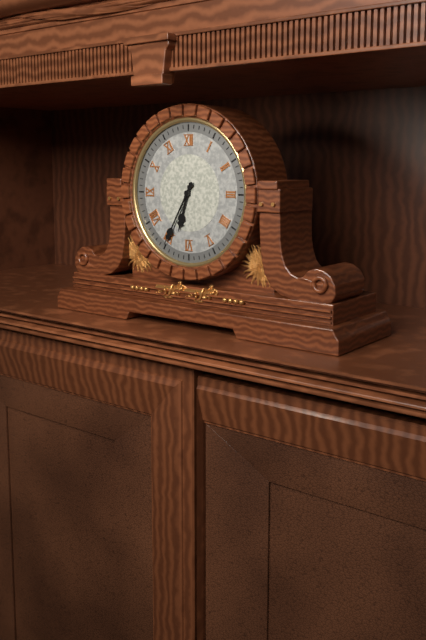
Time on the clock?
6:35
